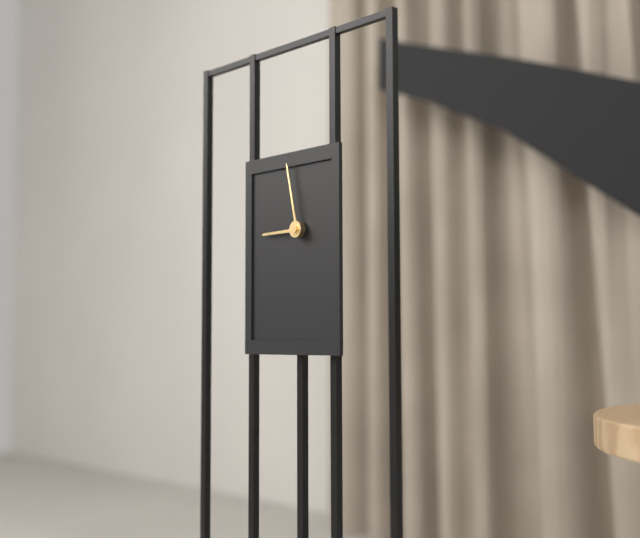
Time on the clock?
8:58
